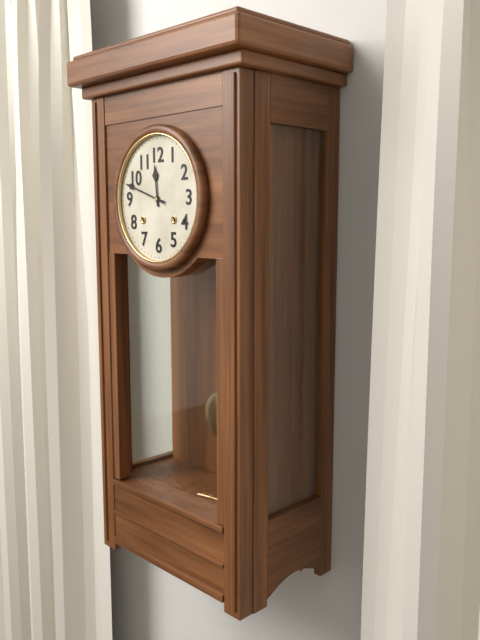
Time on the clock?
11:48
